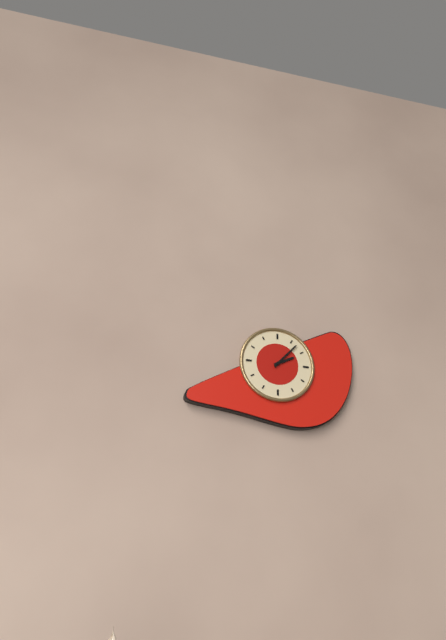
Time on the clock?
2:07
